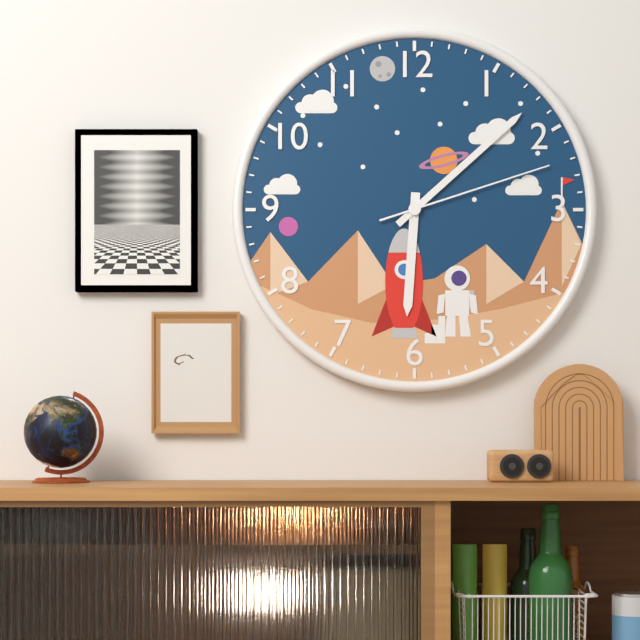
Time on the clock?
6:08:12
